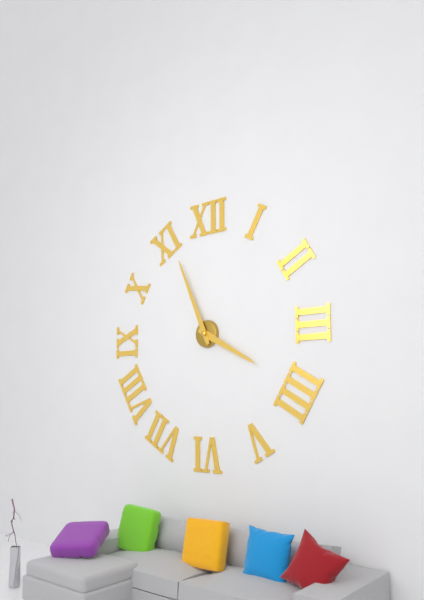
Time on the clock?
3:56
